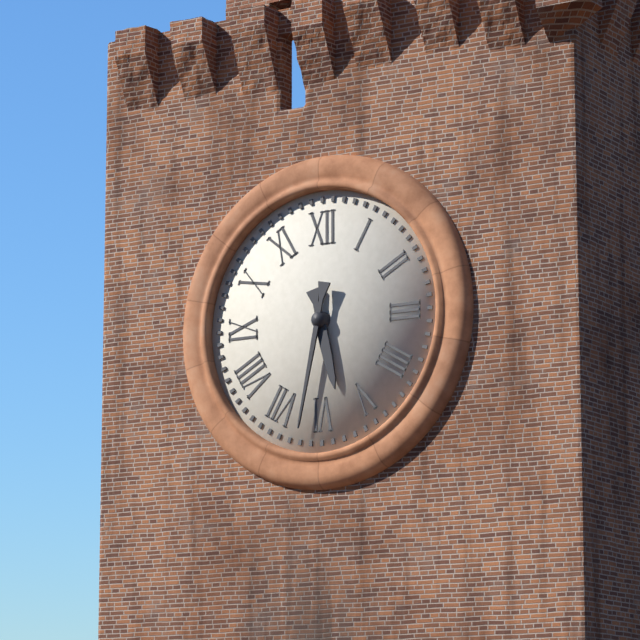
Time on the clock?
5:32
